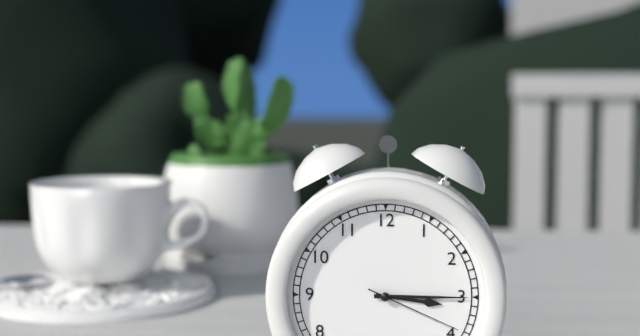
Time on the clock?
3:15:19
